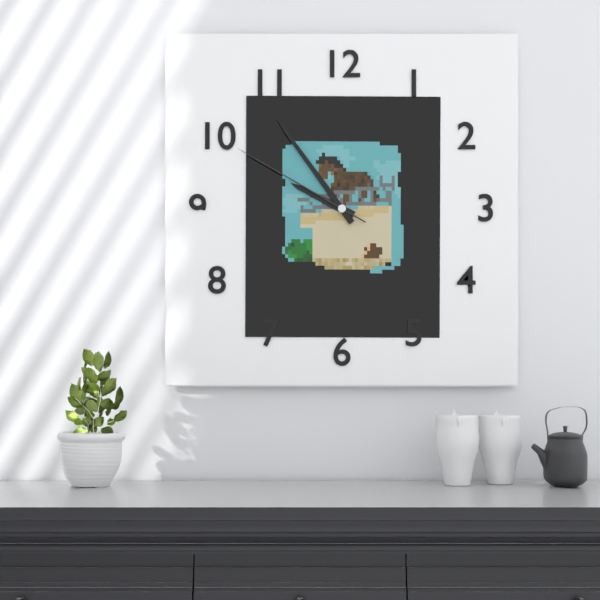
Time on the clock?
9:54:50
